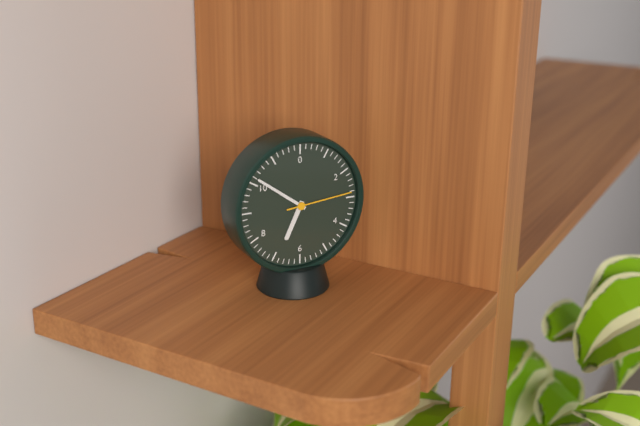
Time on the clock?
6:51:14
